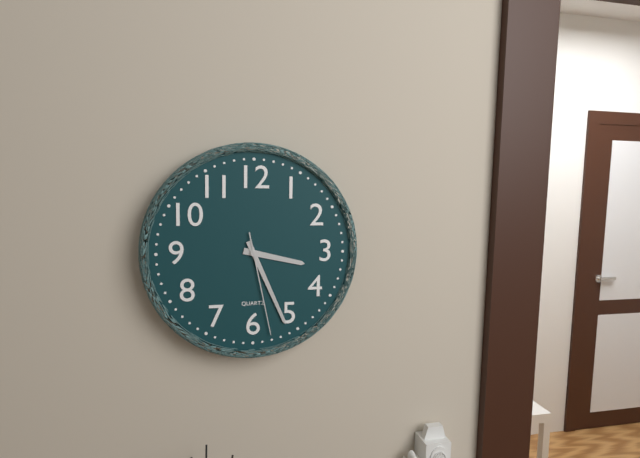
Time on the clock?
3:26:28
